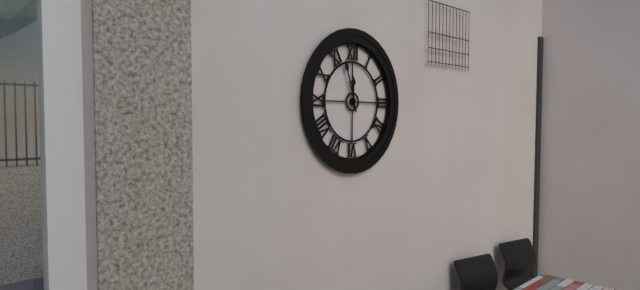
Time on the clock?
11:57
